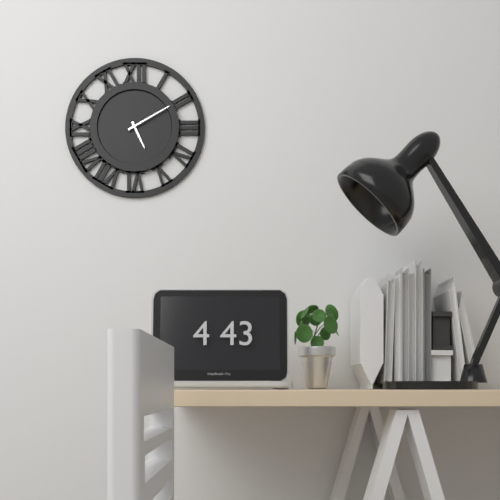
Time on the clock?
5:10
